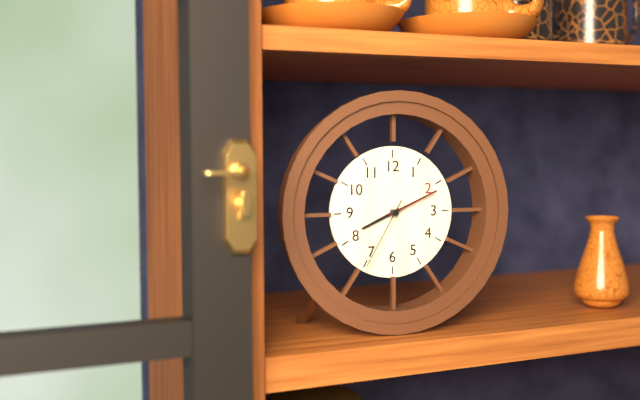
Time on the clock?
8:11:35
